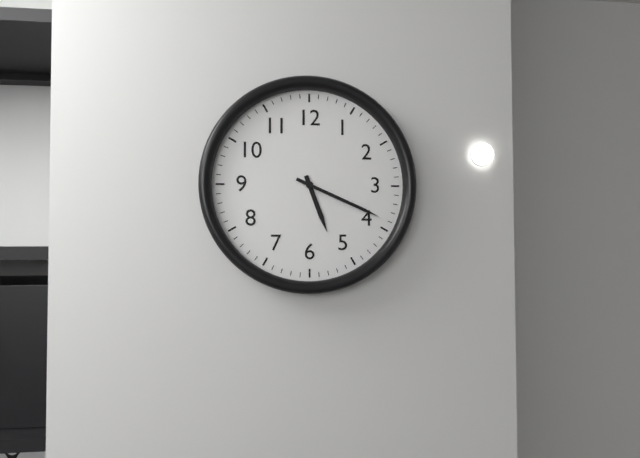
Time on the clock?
5:19
